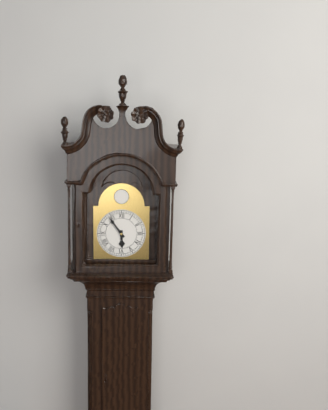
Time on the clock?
5:54
